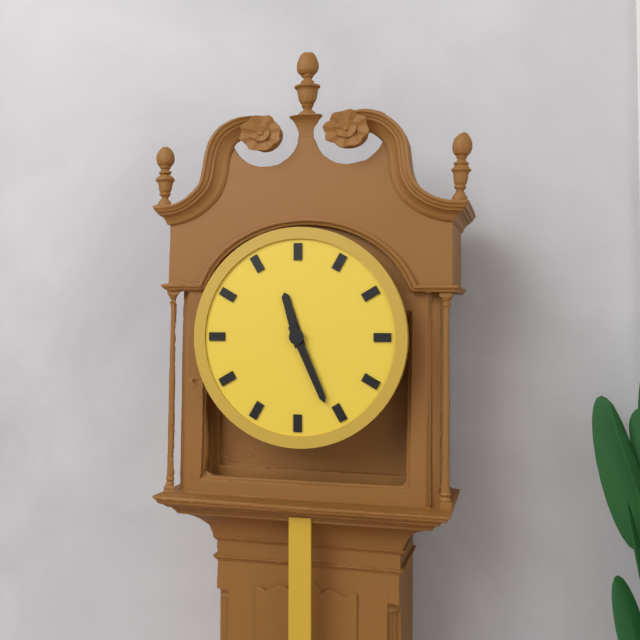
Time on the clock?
11:26
